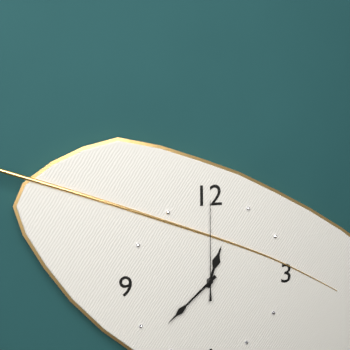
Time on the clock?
12:38:00
